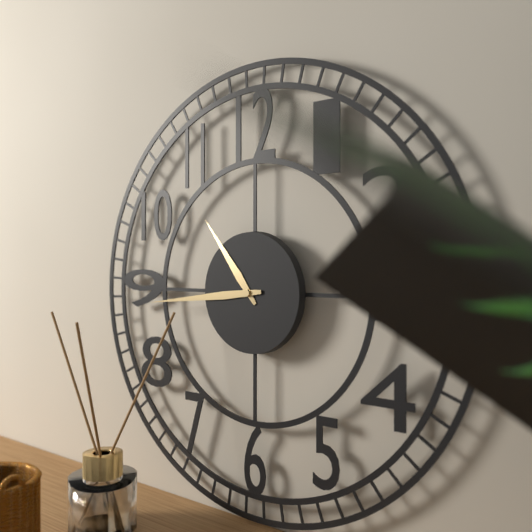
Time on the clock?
10:44
